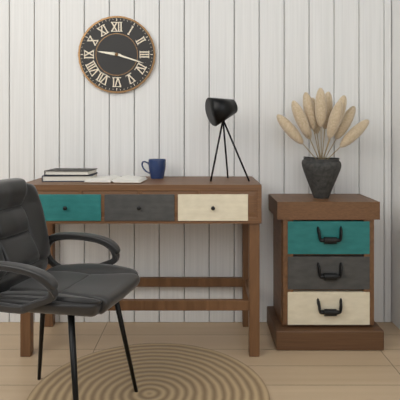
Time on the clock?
9:18
